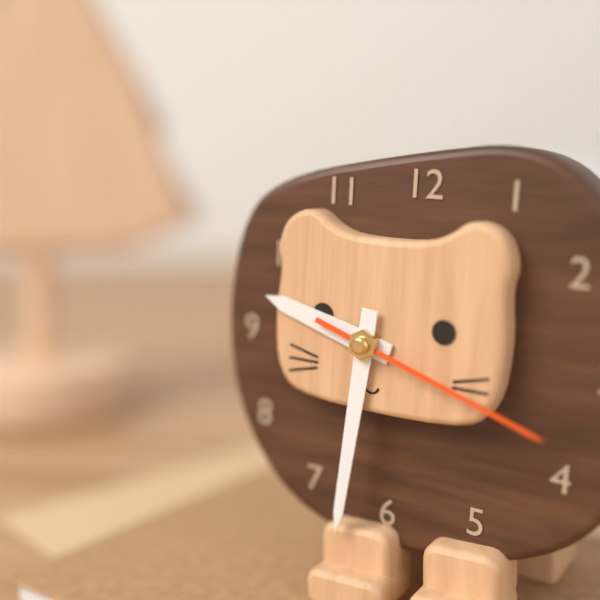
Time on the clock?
9:31:18
